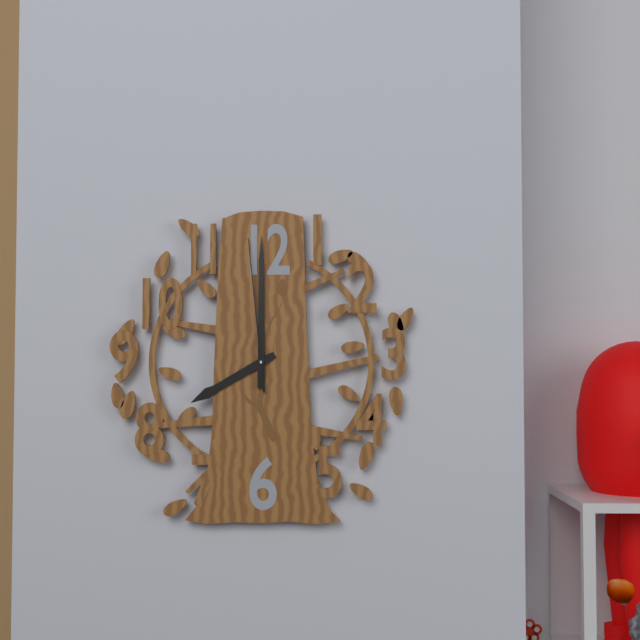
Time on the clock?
8:00:59
